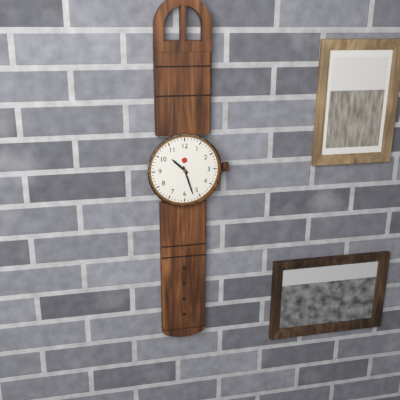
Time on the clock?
10:27
